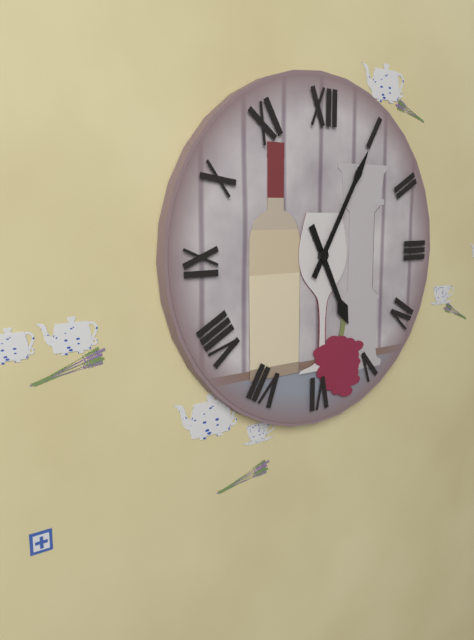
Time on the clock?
5:05
